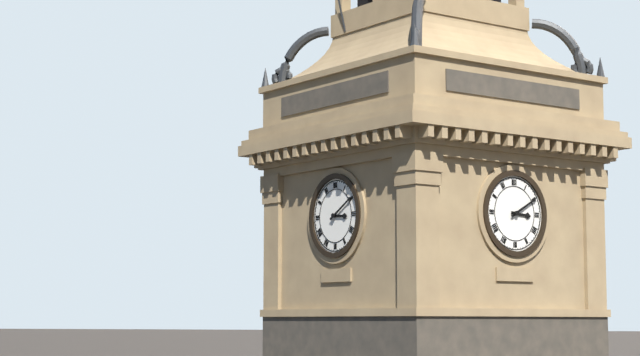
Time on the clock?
3:10
